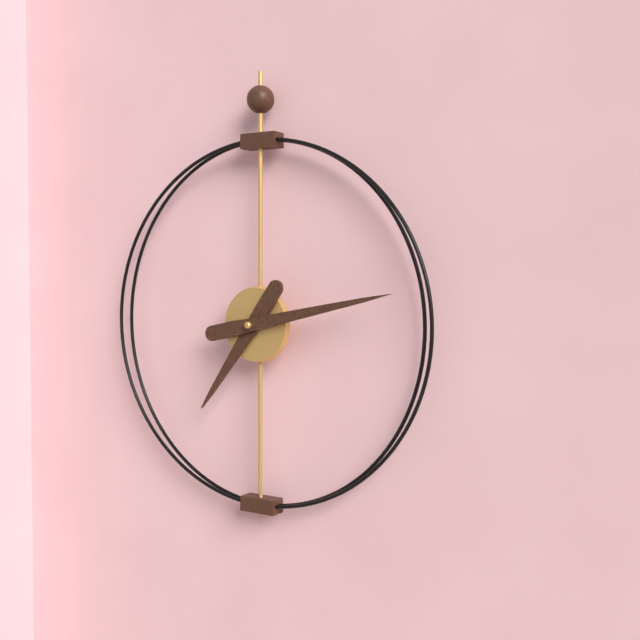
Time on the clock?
7:13
